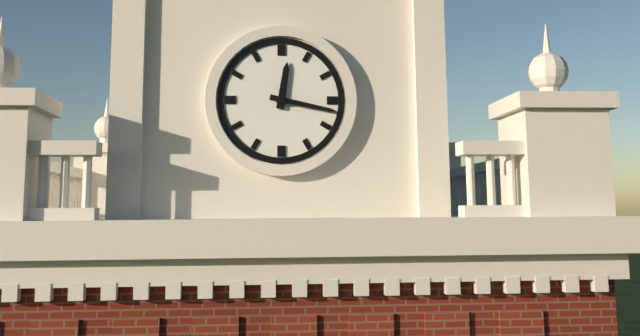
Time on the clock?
12:17
